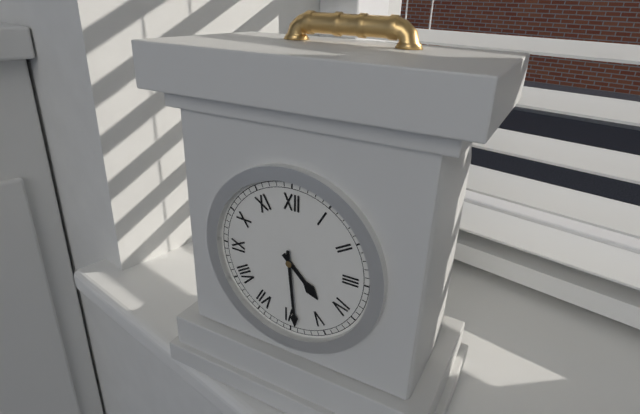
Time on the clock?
4:29
